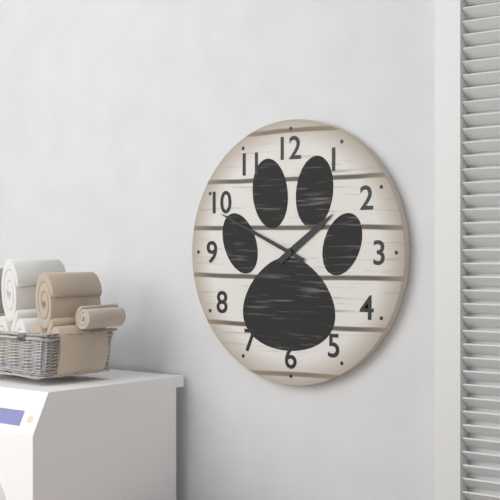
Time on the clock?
1:49
